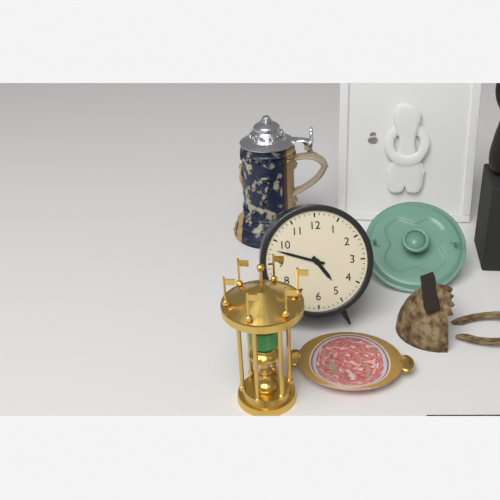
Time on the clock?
4:48
